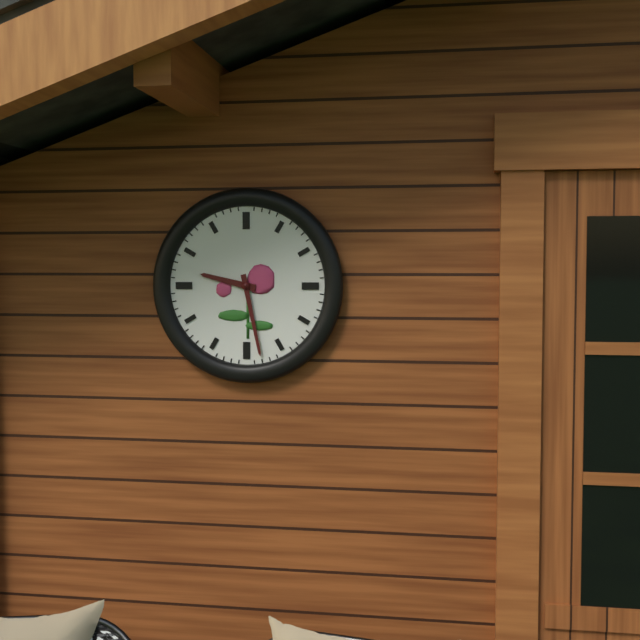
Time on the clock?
9:28
